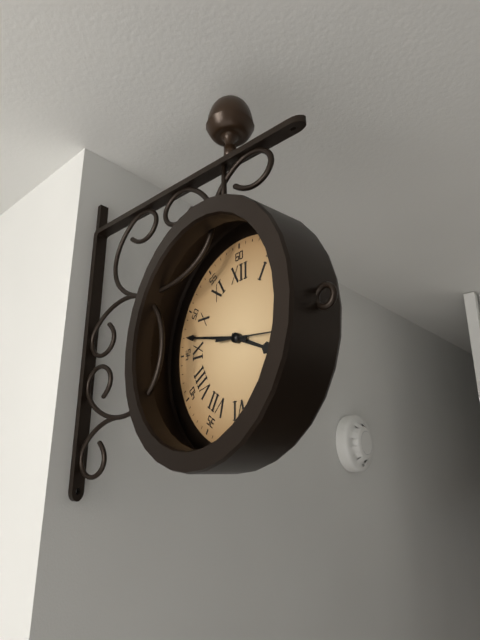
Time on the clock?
3:47
